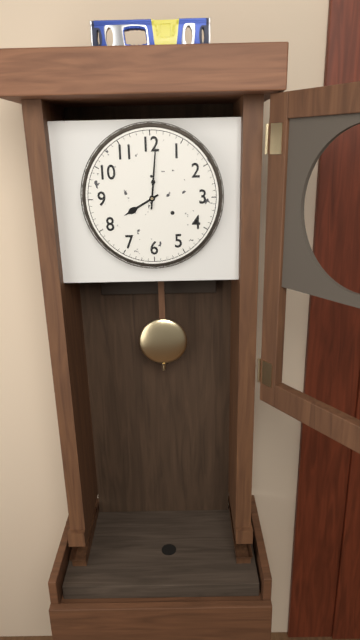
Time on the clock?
8:01
